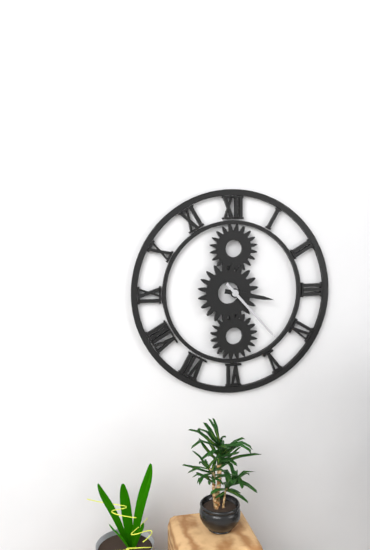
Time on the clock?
3:23
